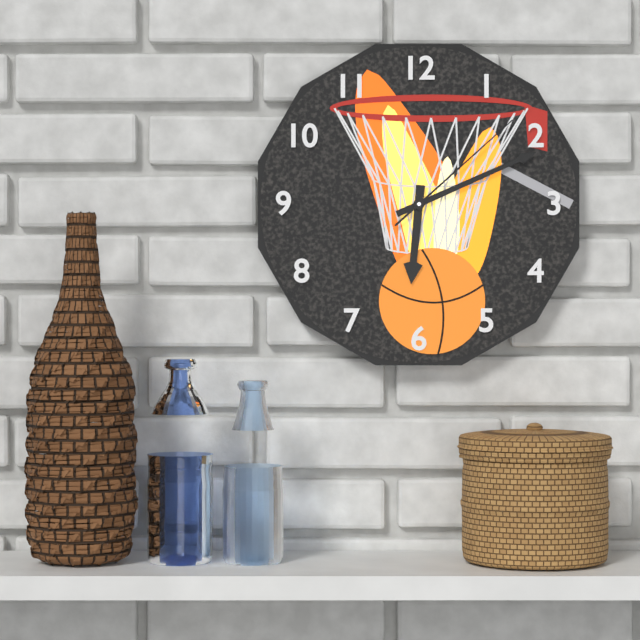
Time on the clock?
6:11:08
